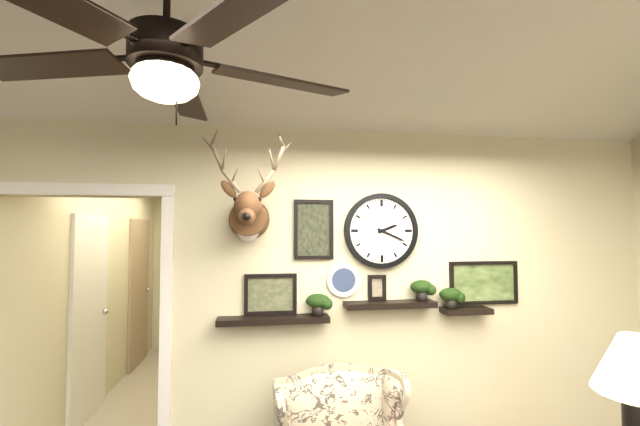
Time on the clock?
2:19
